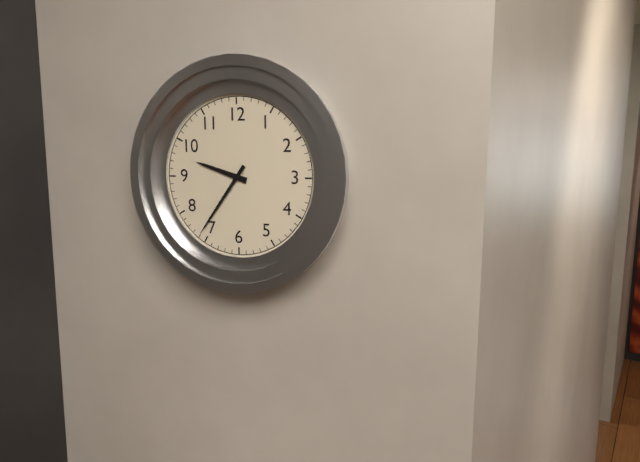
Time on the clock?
9:36
